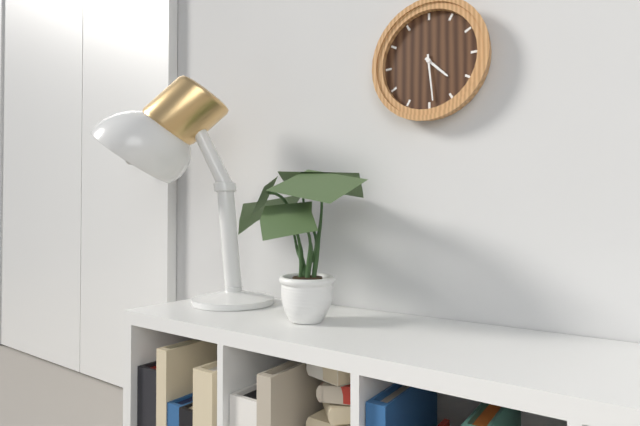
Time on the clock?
4:29
